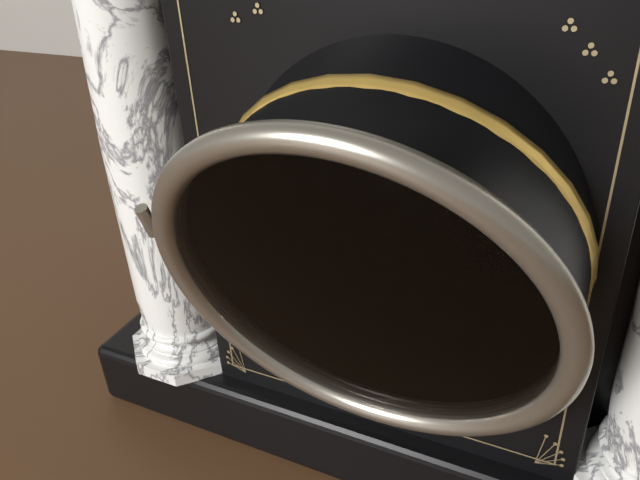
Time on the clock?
8:54
